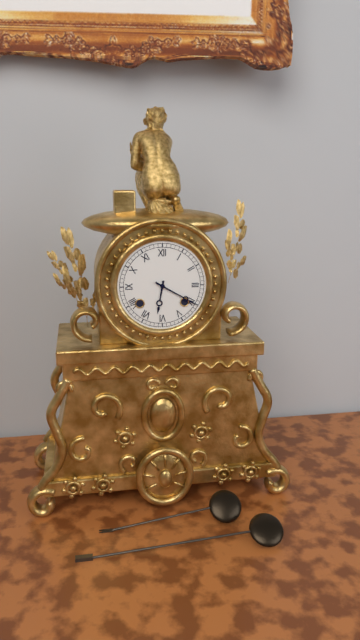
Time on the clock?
6:20
